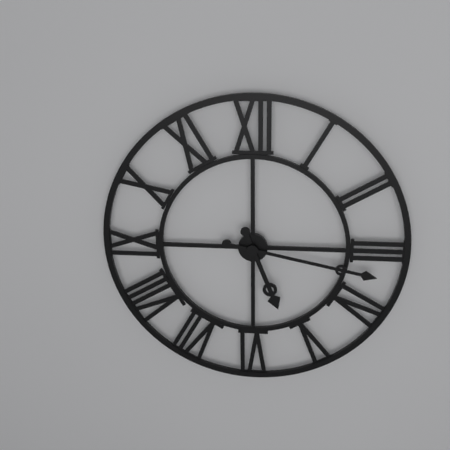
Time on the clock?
5:17
